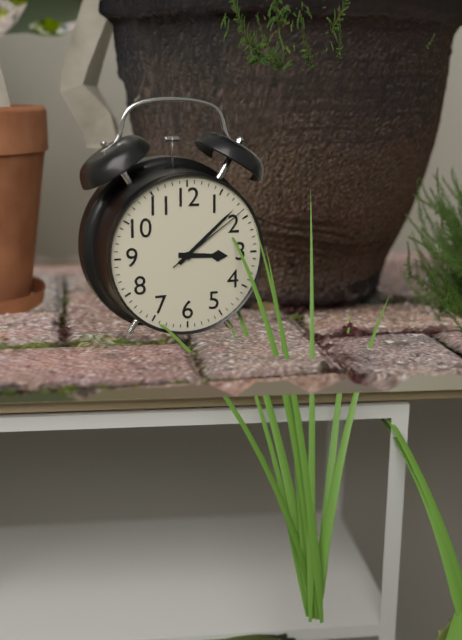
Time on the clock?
3:08:09
